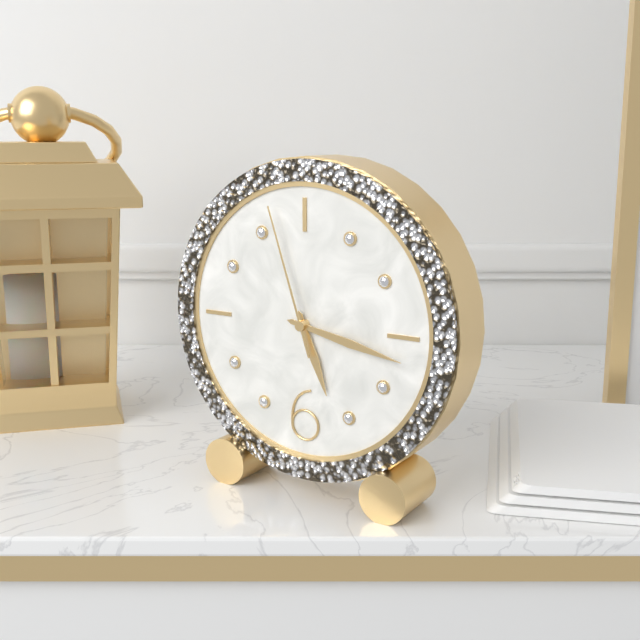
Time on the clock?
5:17:57
